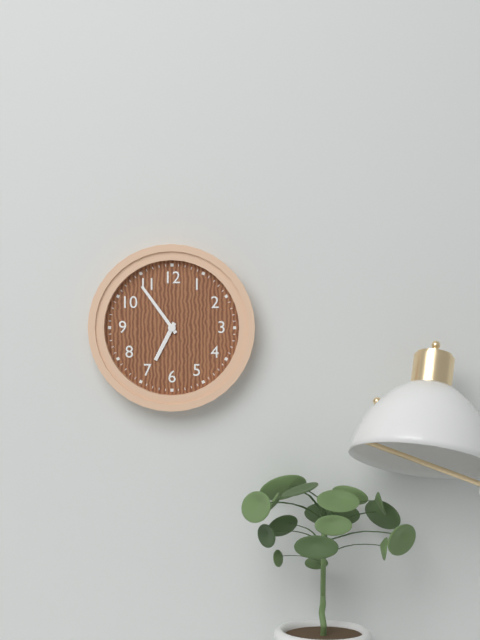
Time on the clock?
6:54
